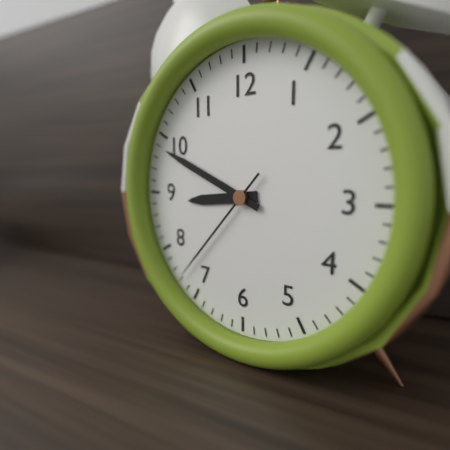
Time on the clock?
8:49:37
